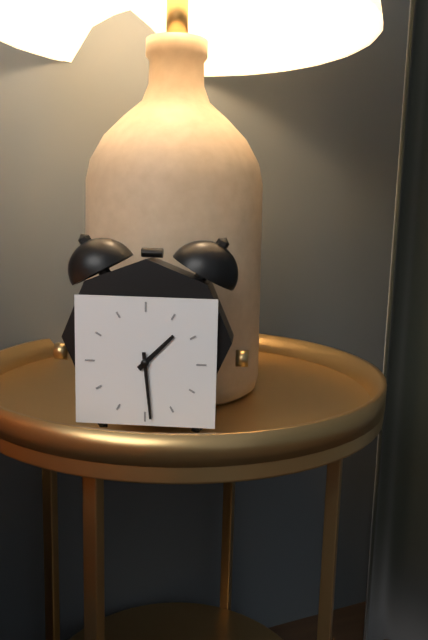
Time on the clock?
1:29
